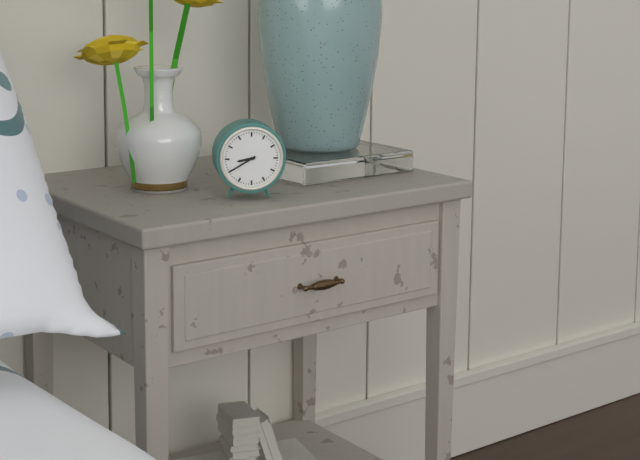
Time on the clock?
8:40
